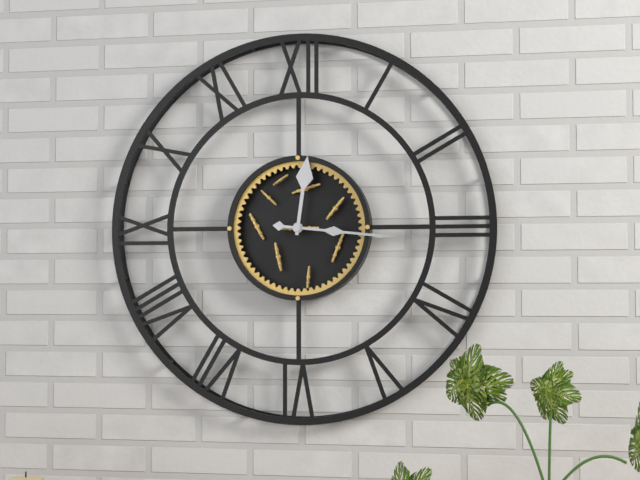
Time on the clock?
12:16
